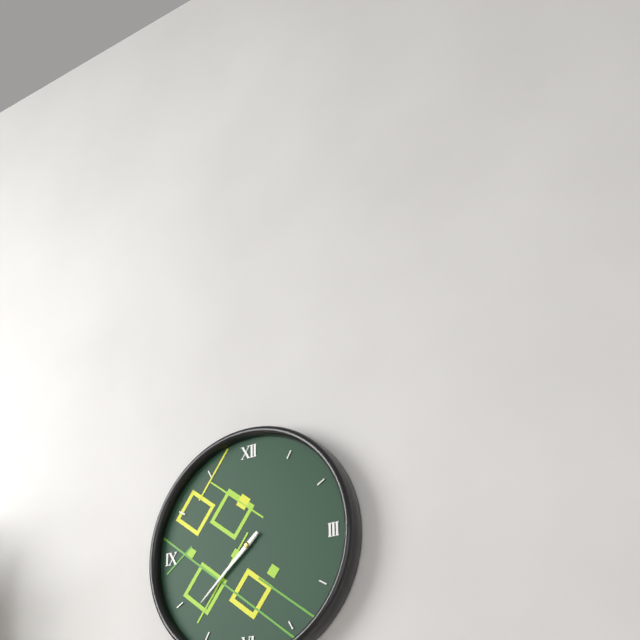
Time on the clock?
7:38
